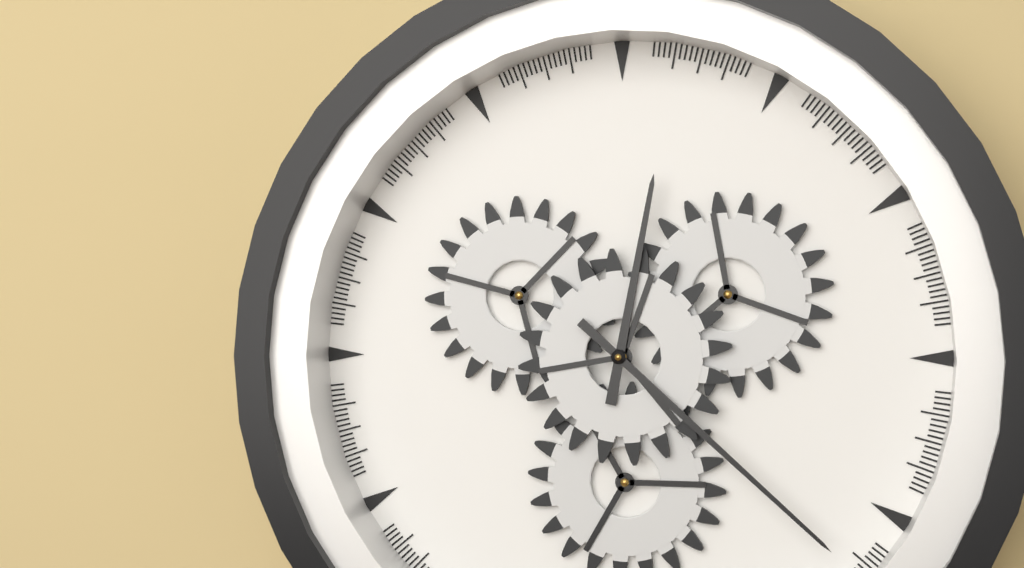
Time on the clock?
12:22
